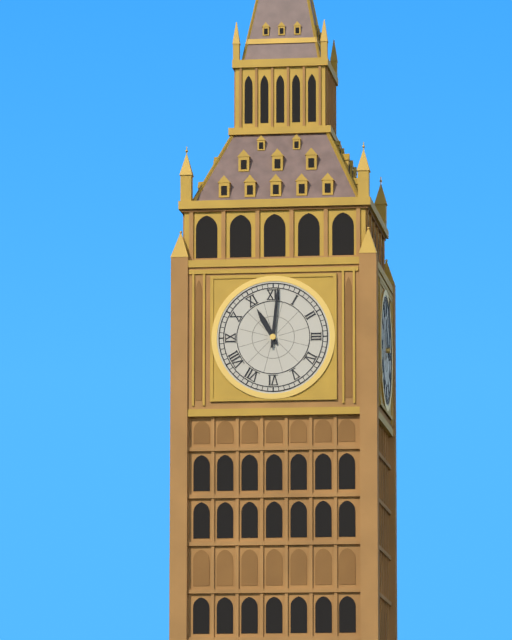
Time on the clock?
11:01
